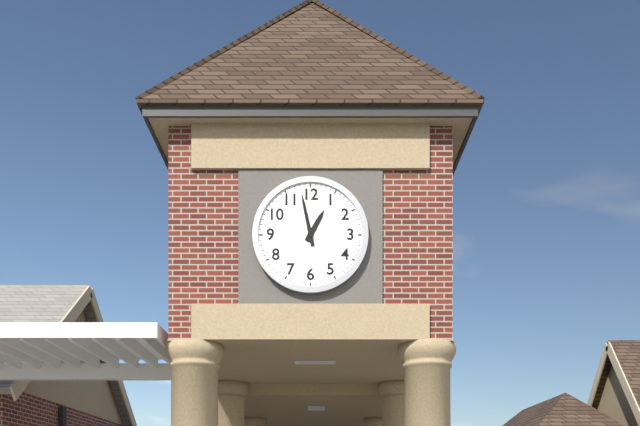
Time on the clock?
12:58
